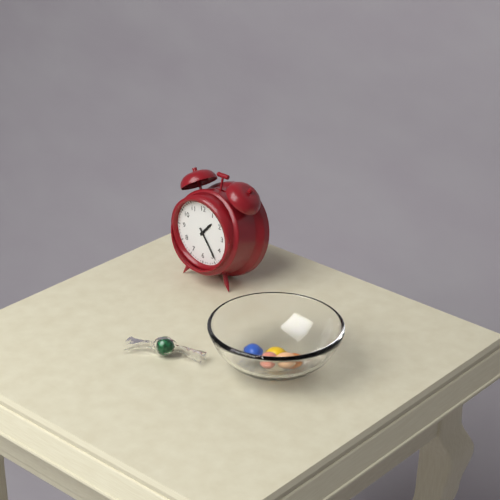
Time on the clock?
1:24
